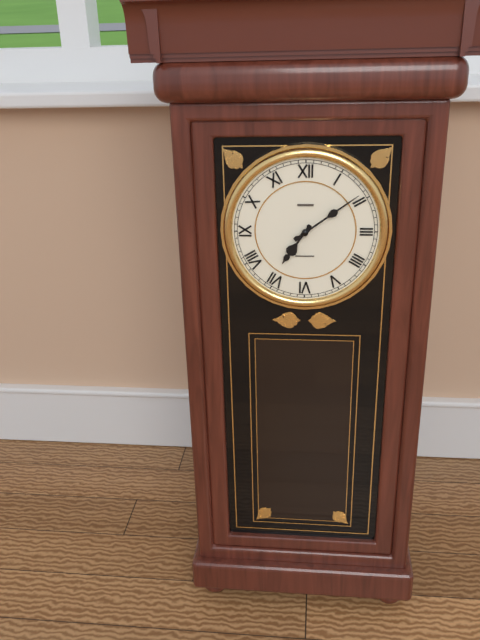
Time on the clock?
7:09
